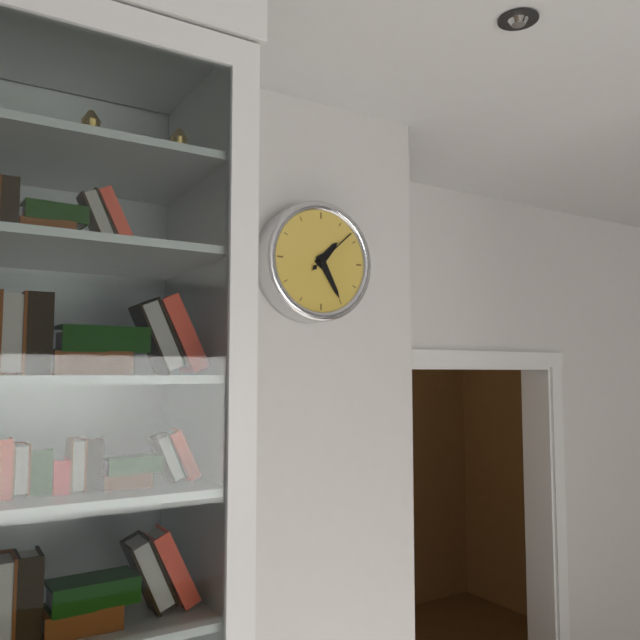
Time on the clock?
1:25:08
